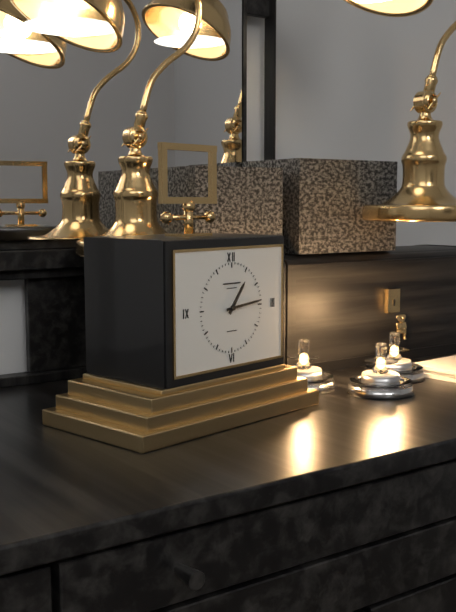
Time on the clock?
1:14
